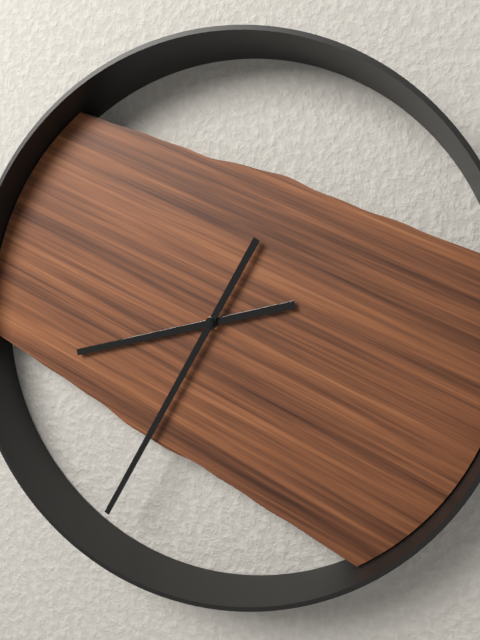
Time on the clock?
8:35
